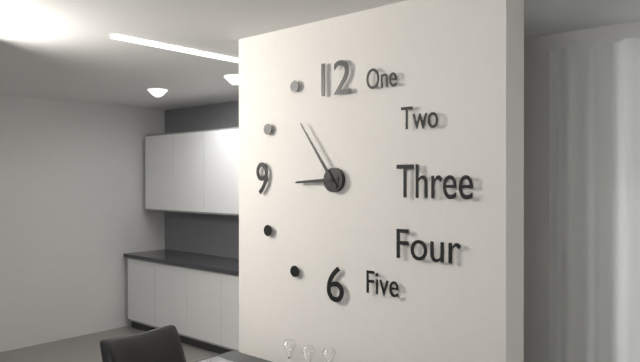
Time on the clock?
8:54
